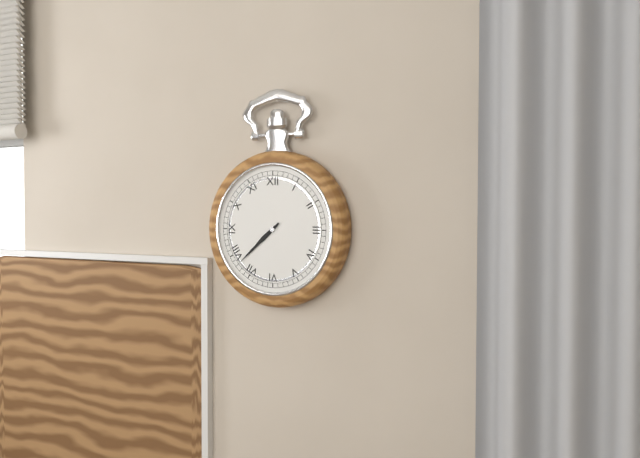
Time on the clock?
7:38
